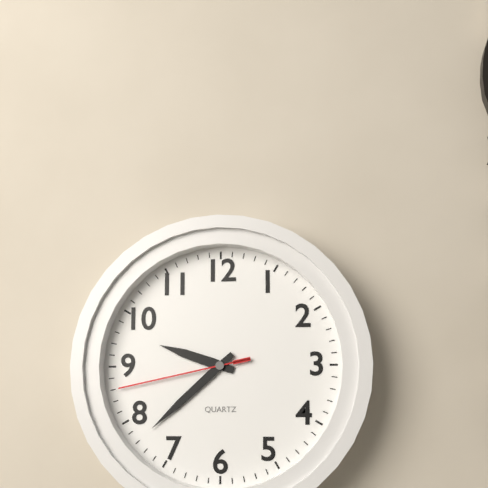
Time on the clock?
9:38:43
